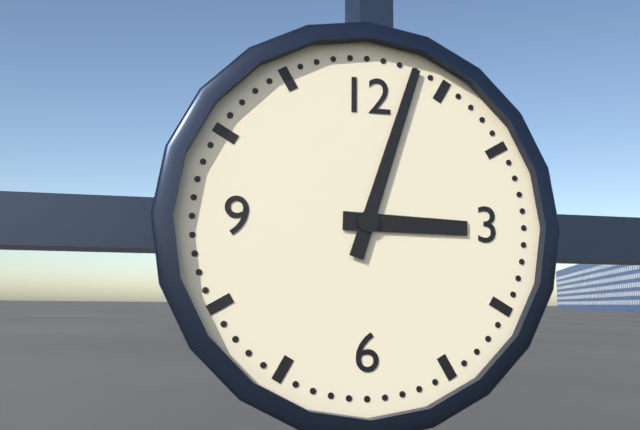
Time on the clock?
3:03
